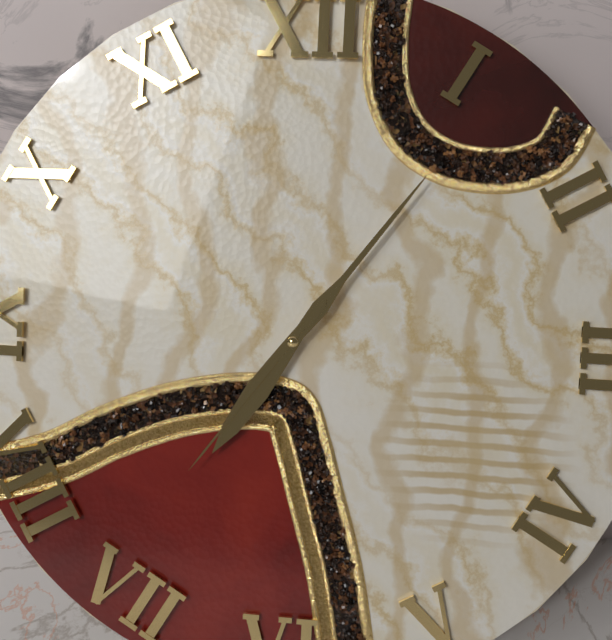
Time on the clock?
7:06:36
